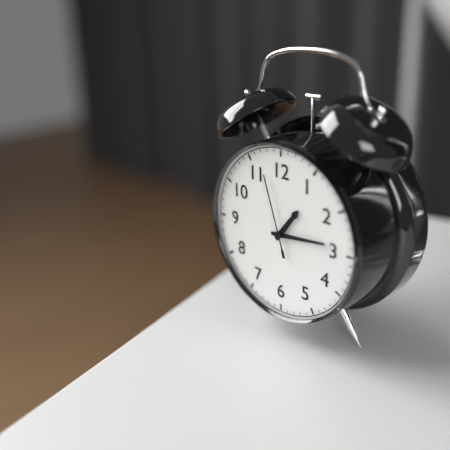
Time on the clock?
1:14:57
